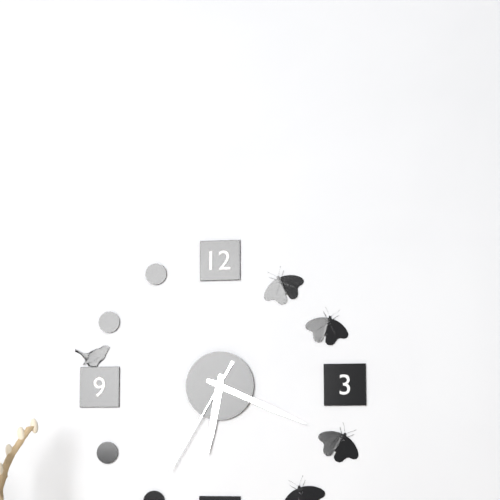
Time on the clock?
6:19:35
